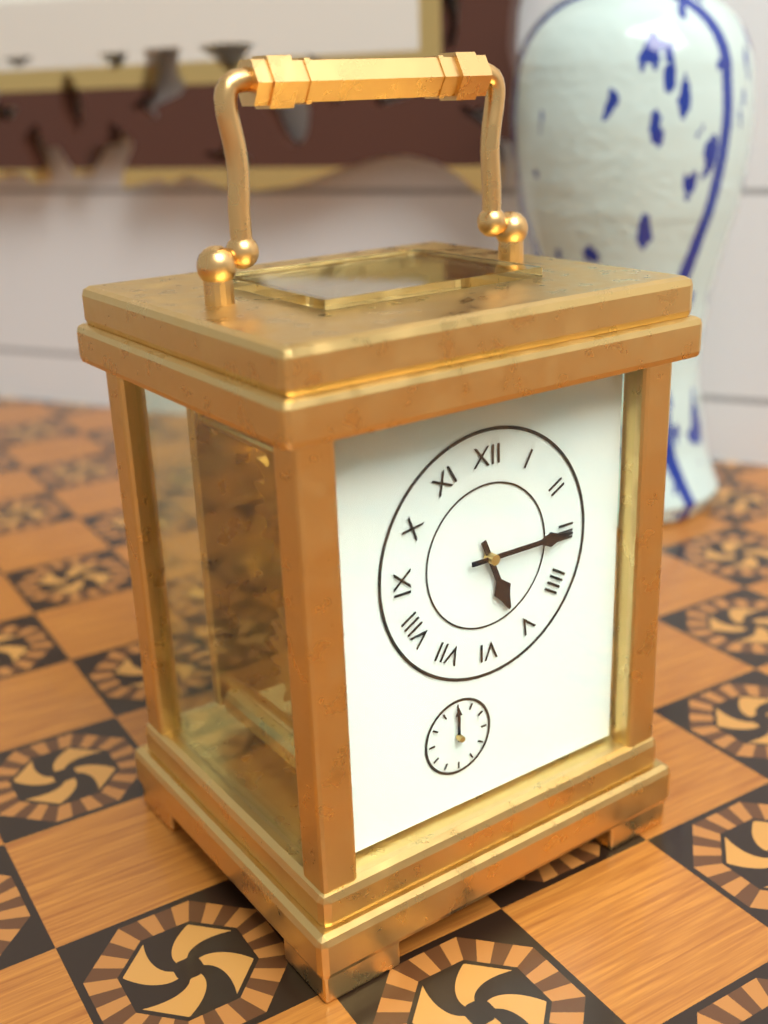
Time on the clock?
5:15
